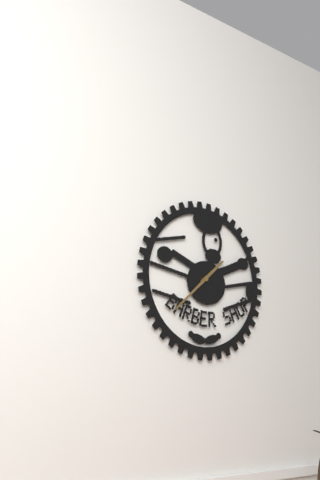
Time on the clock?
1:38
